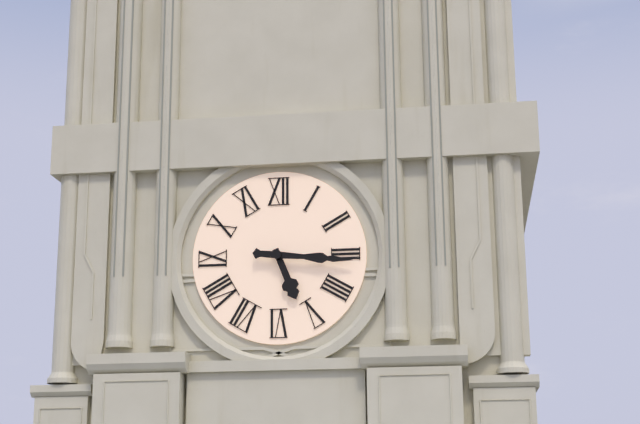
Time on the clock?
5:16
